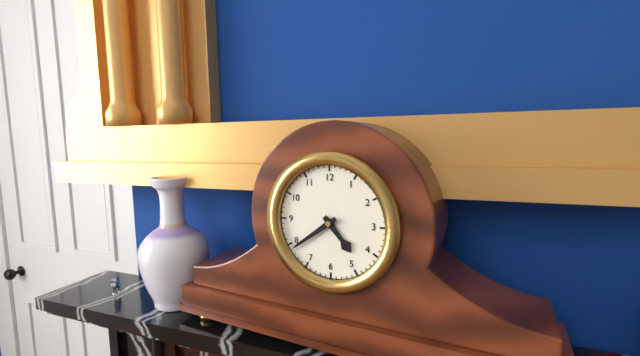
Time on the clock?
4:39
